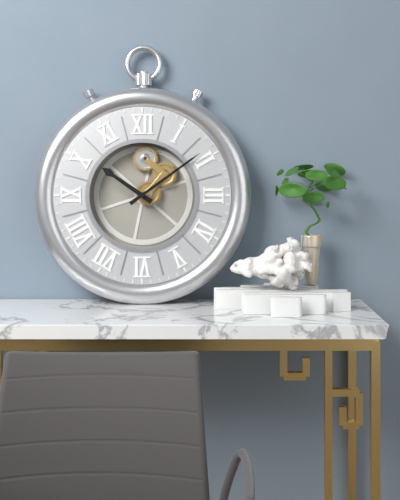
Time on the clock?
10:09
